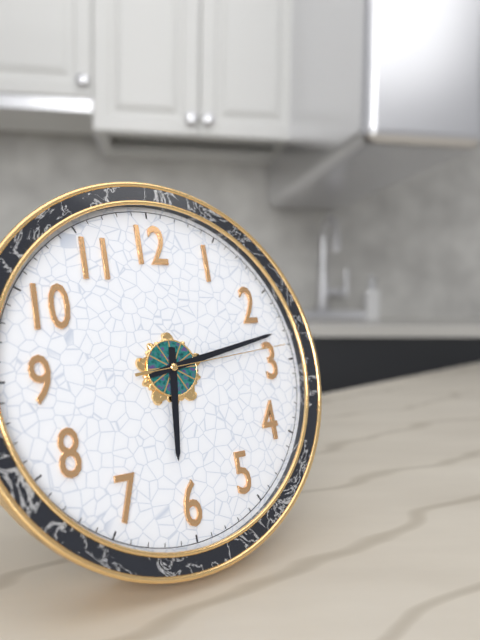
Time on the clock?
6:13:14
